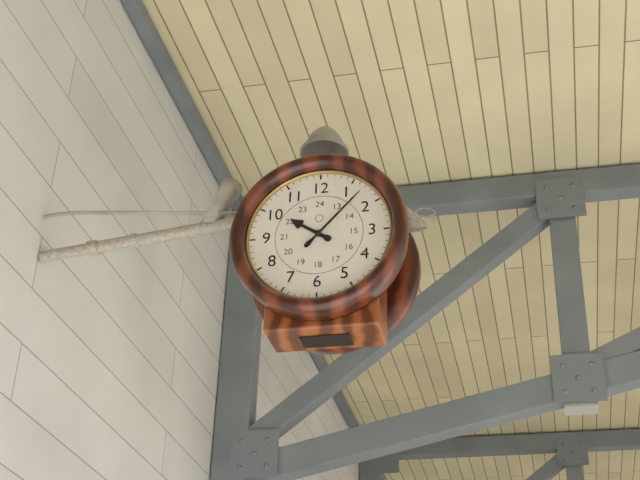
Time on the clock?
10:07
